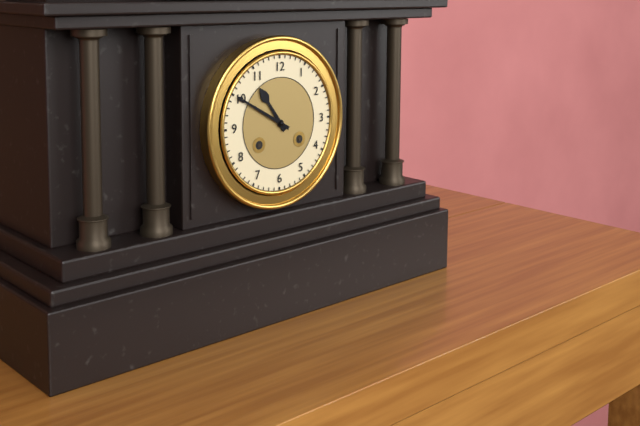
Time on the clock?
10:50
